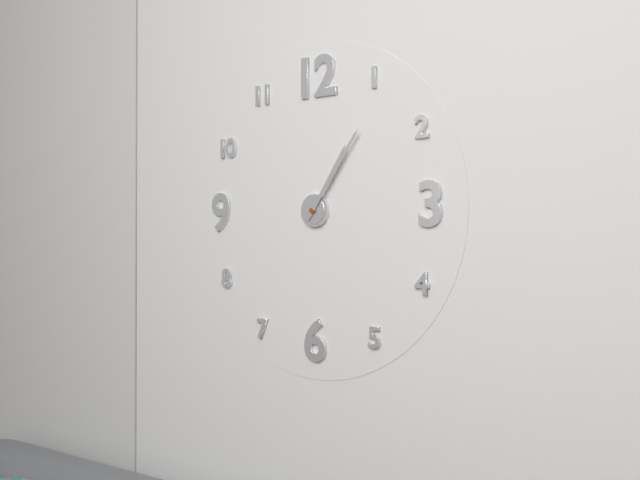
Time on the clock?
1:06
